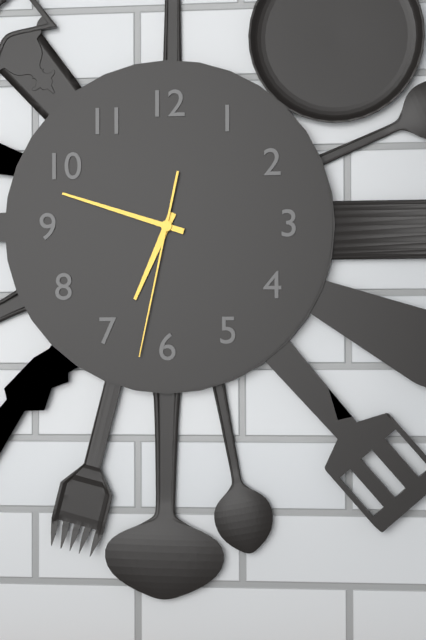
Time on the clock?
6:48:32
